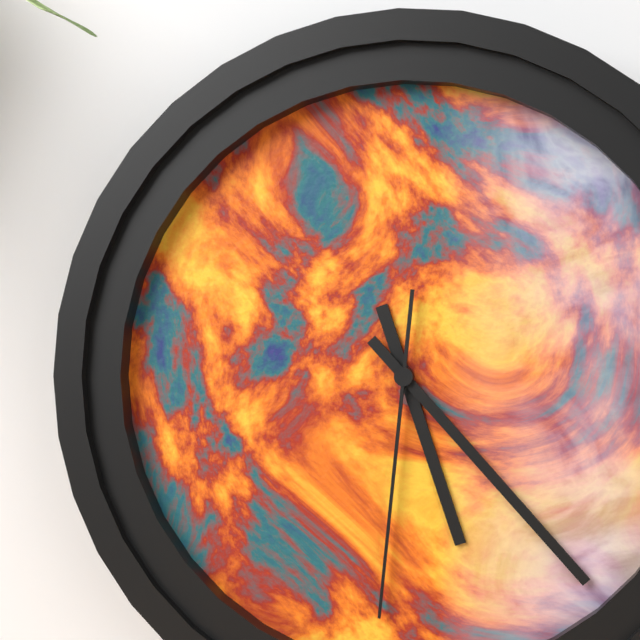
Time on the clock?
5:23:31
